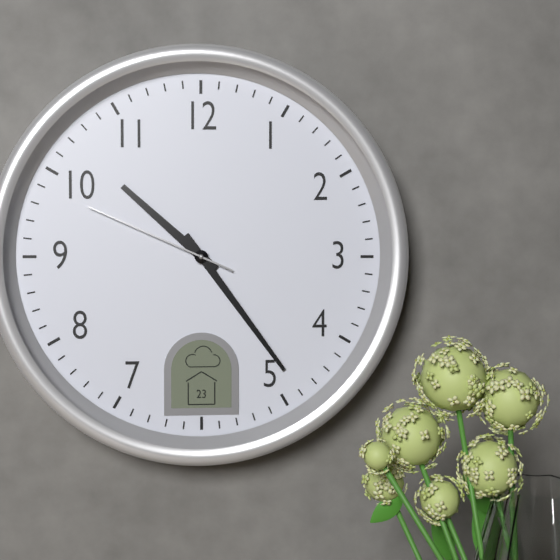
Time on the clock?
10:24:49
